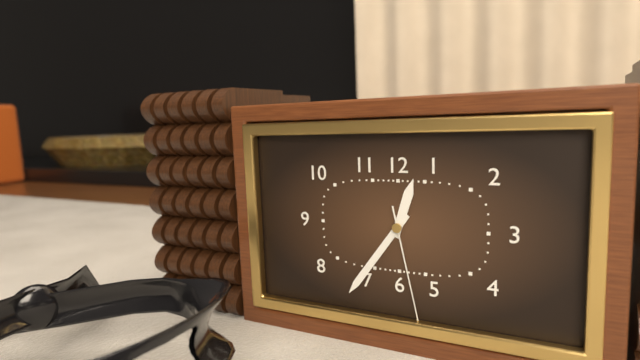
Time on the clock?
12:36:28
